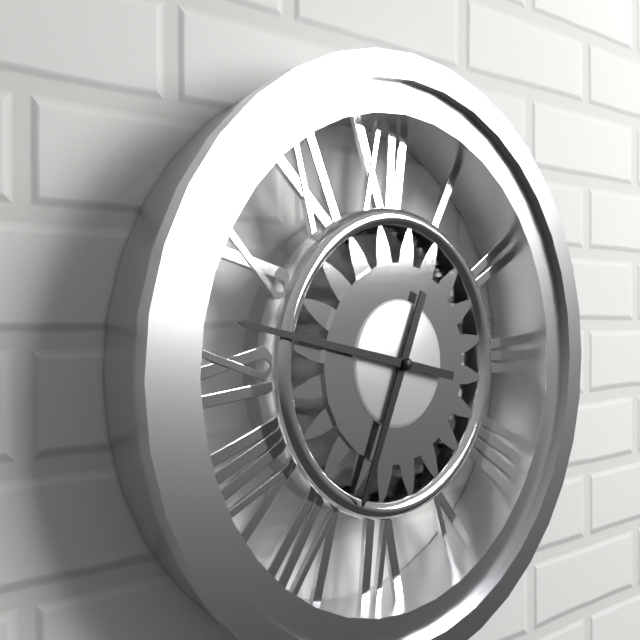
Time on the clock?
6:47
